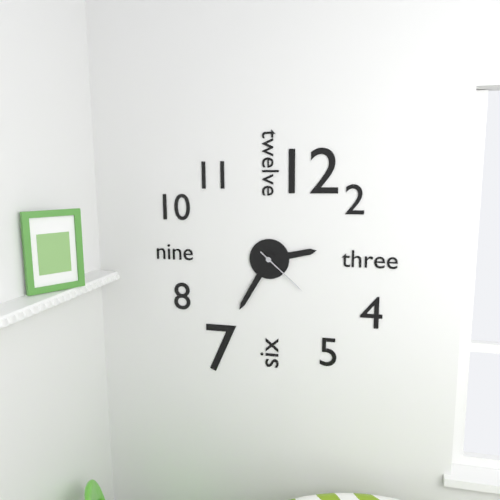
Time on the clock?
2:35:22
